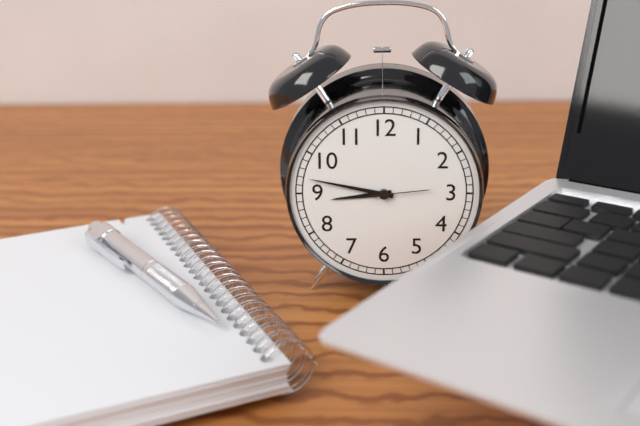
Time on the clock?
8:47:14
